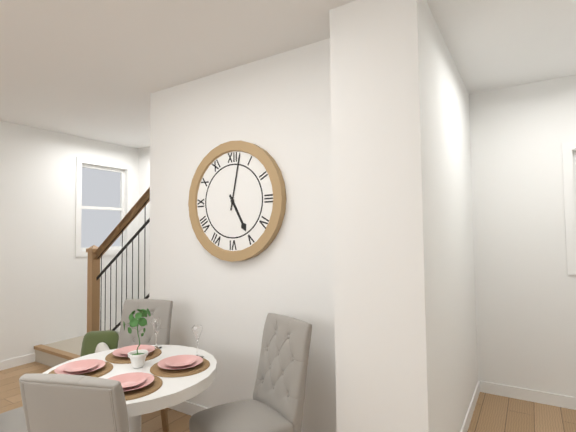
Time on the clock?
5:02
